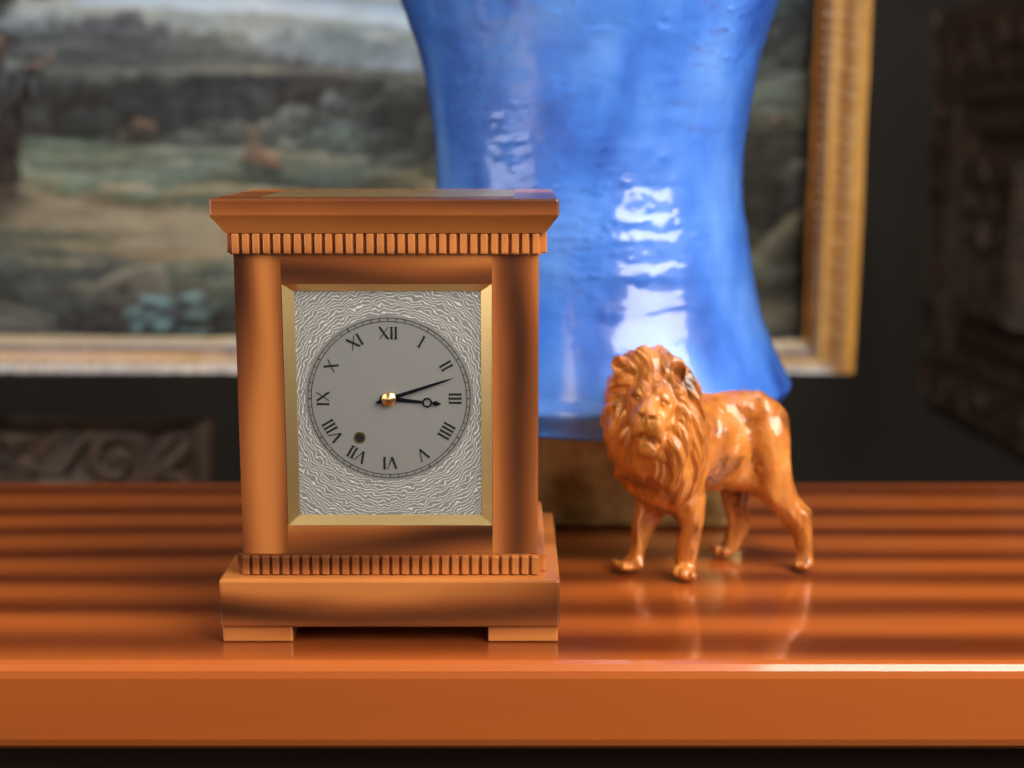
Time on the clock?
3:12
